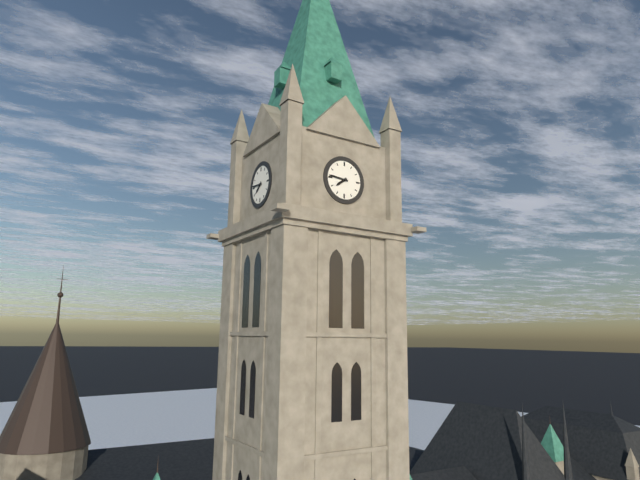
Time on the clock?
7:46
